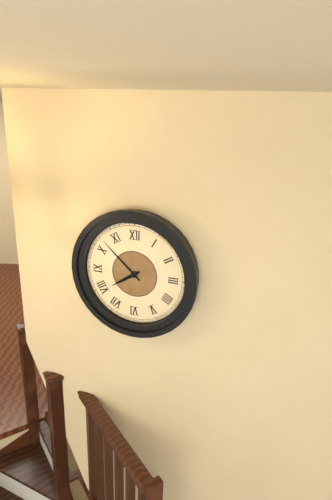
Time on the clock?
7:52
